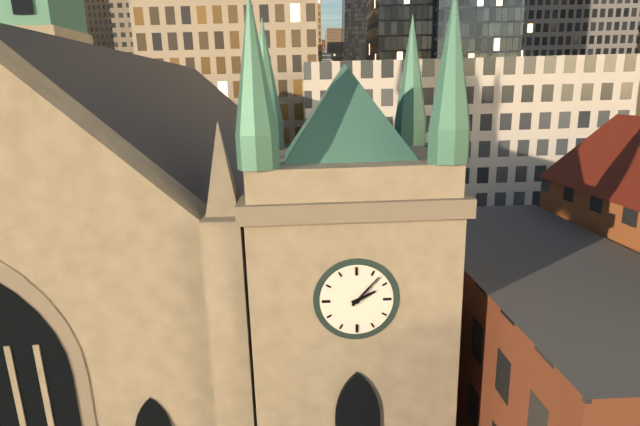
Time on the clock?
2:07
